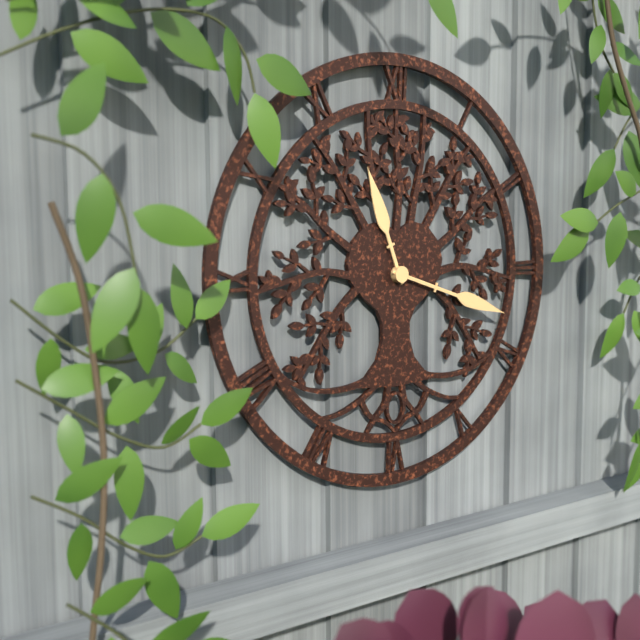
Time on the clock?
11:18
